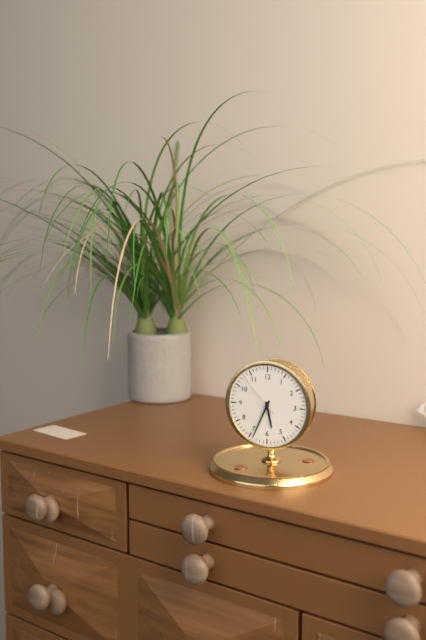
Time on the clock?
5:34
